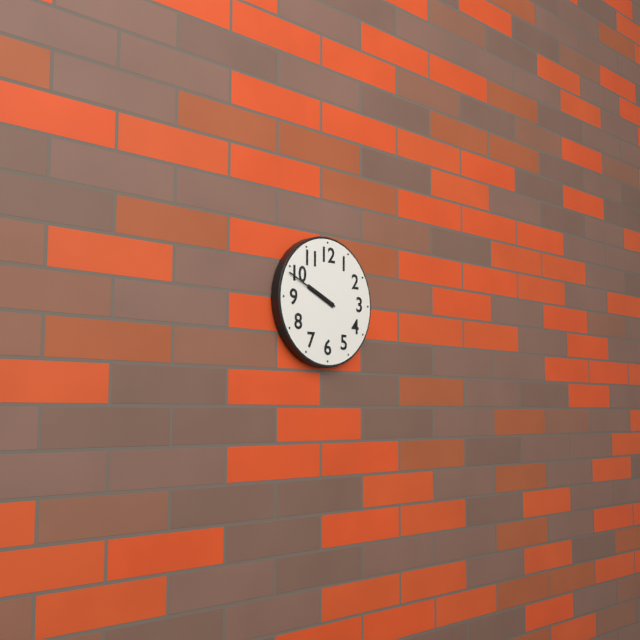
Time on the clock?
9:49
